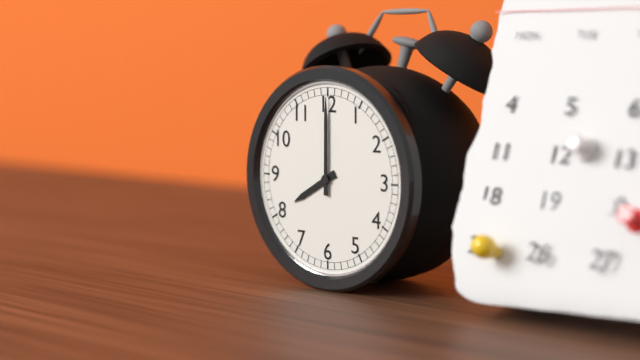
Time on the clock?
8:00
